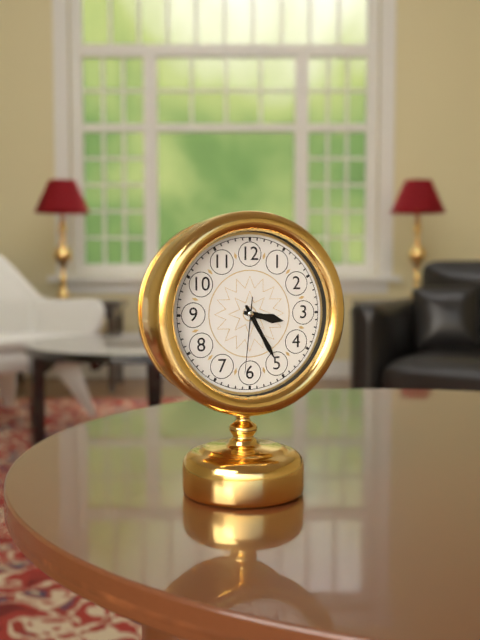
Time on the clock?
3:25:31
